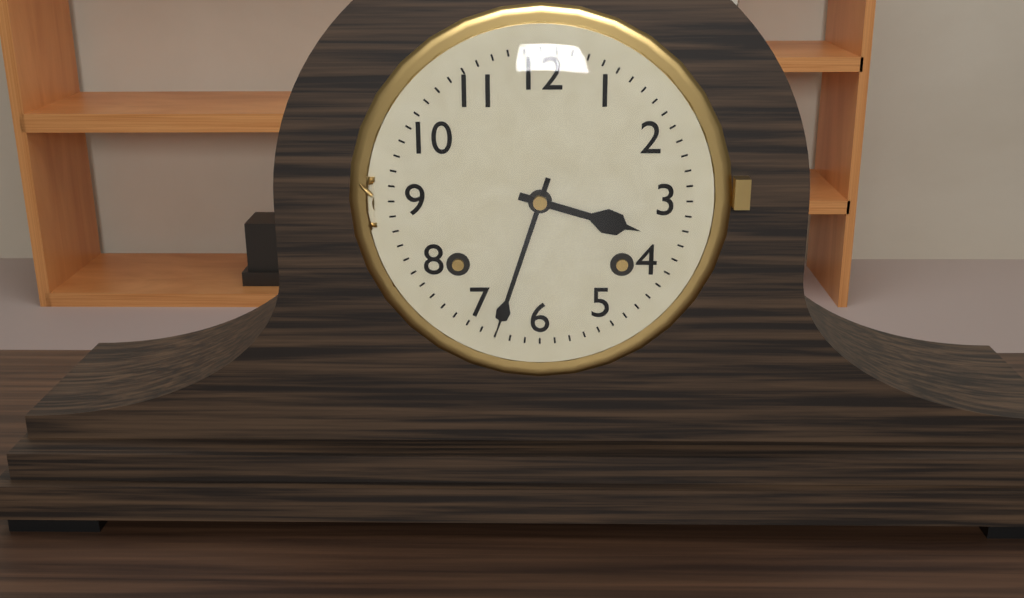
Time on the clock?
3:33
